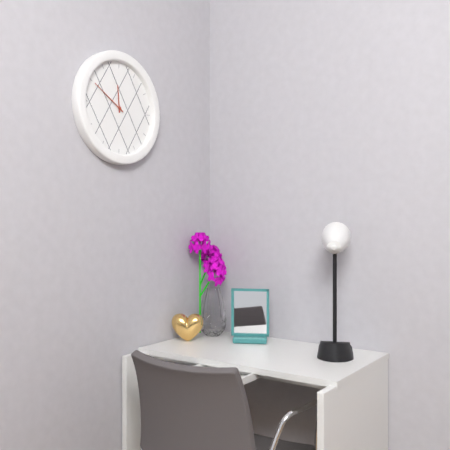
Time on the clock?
11:50
